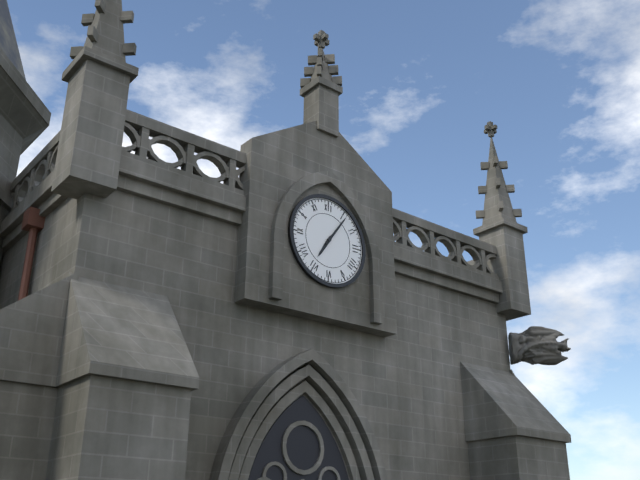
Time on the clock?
7:06
